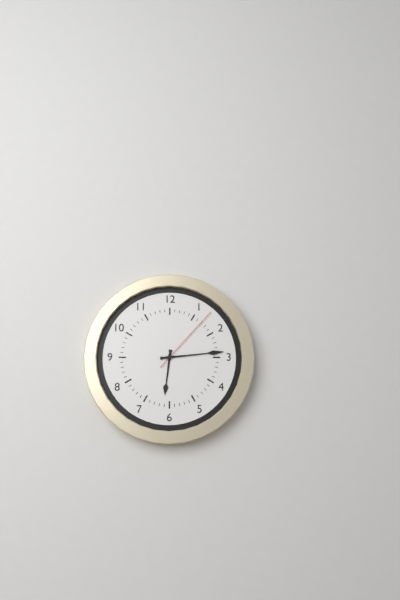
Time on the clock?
6:14:07
